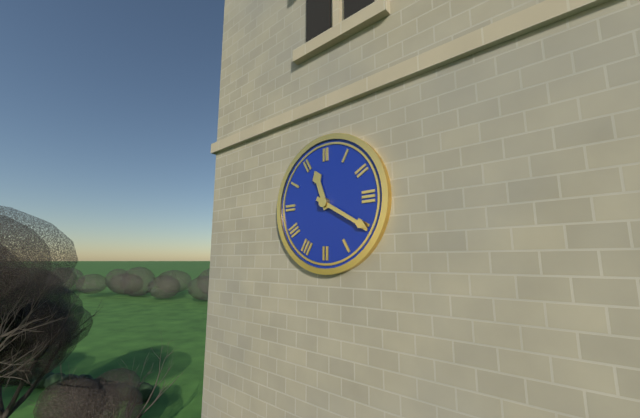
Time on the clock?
11:20
